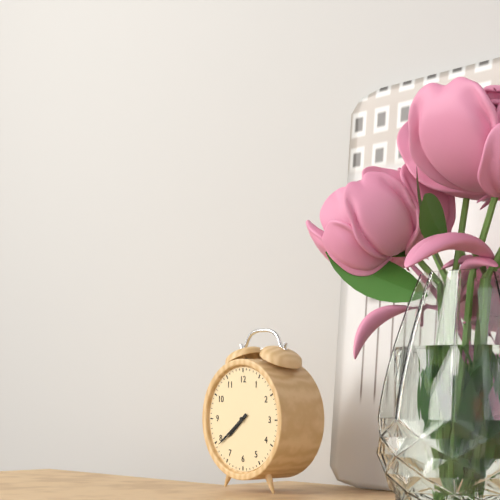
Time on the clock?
7:39
